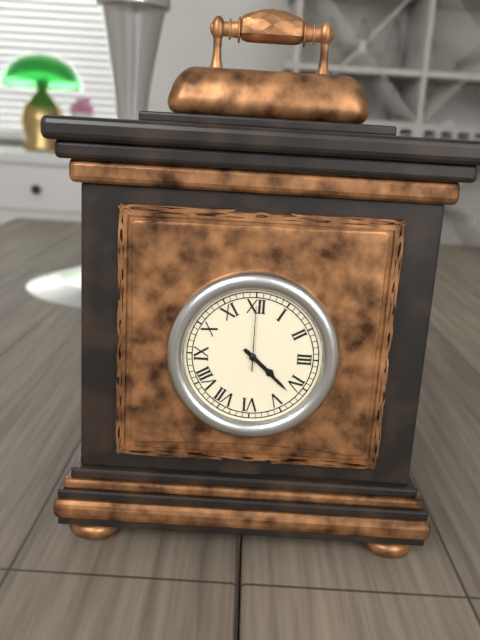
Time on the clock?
4:22:00
